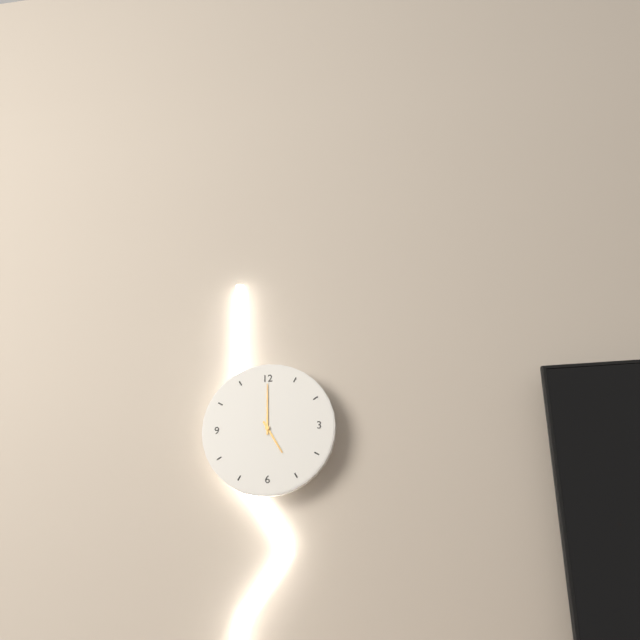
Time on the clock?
5:00
